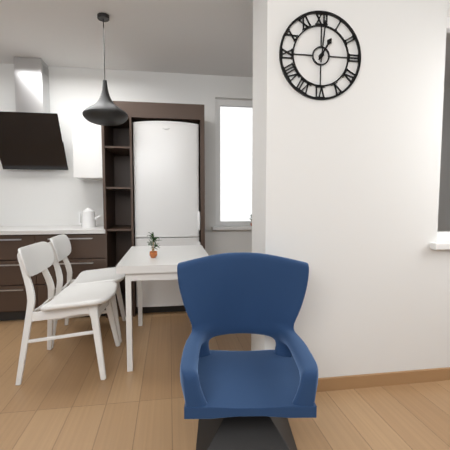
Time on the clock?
1:01
